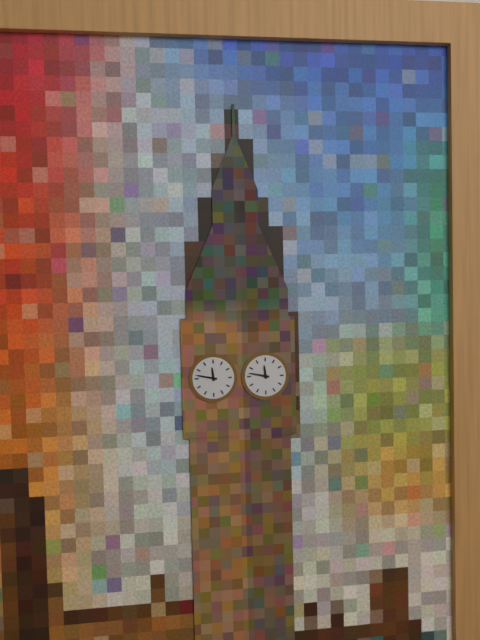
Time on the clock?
11:47
